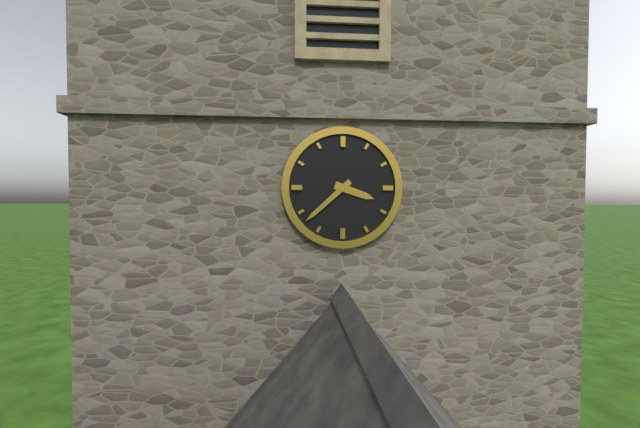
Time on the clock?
3:38
